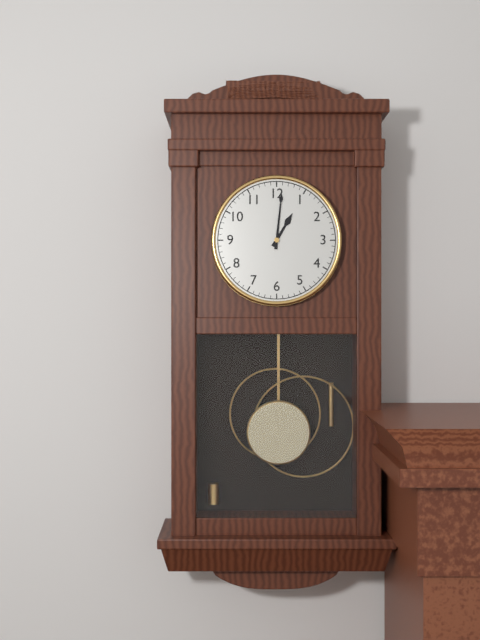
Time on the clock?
1:01
